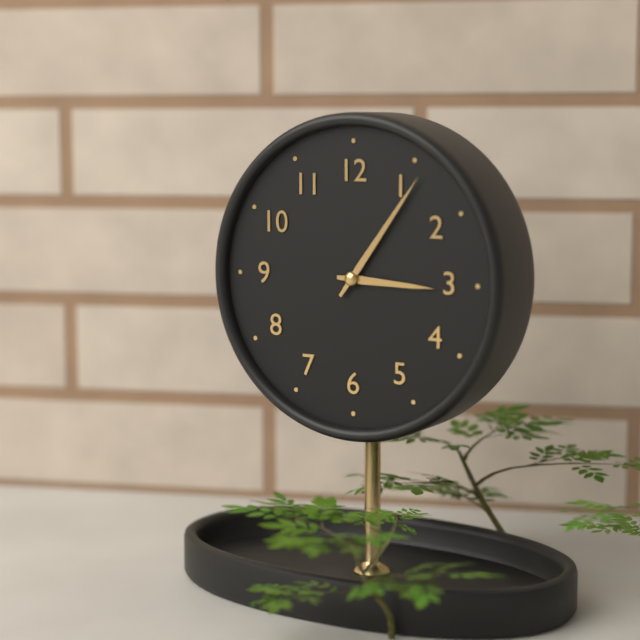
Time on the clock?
3:06
